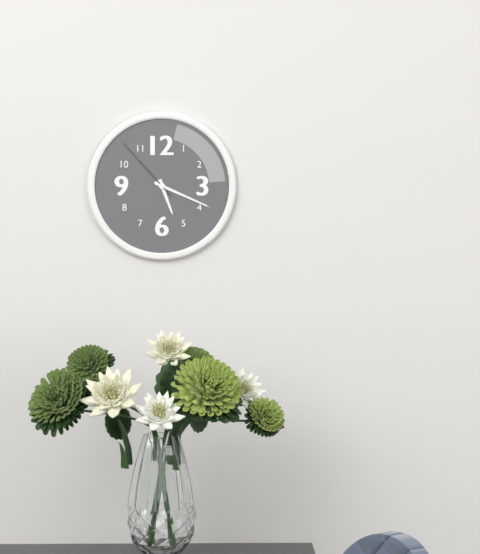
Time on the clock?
5:19:53
